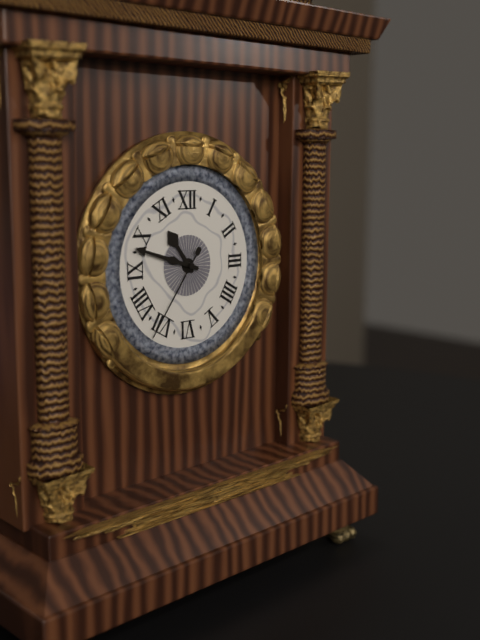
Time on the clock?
10:48:36
